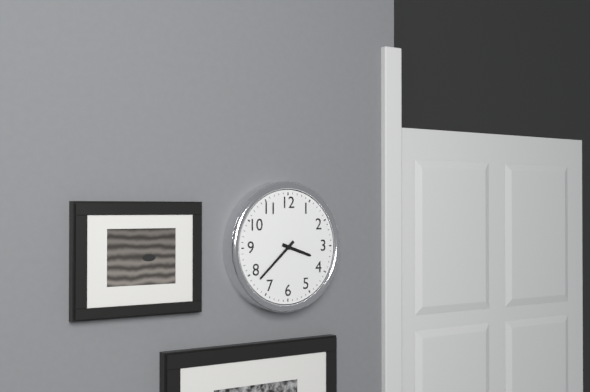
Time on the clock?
3:38
